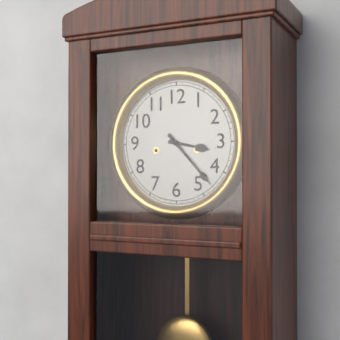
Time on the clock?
3:23
